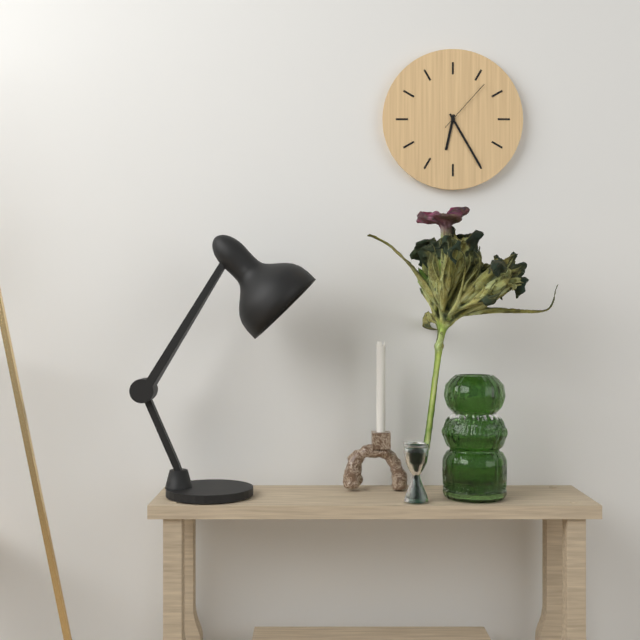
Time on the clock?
6:25:07
